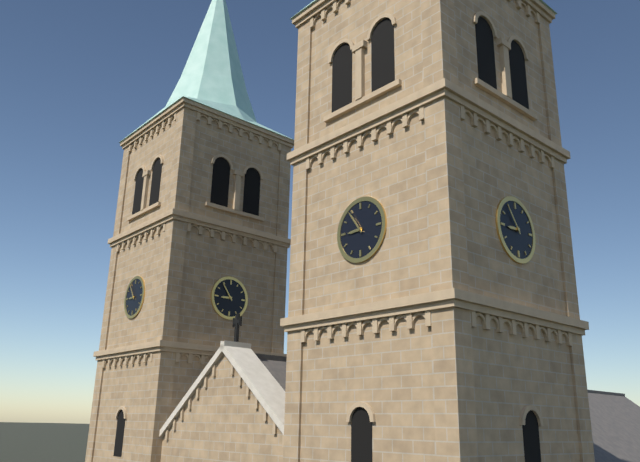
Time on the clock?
8:54
